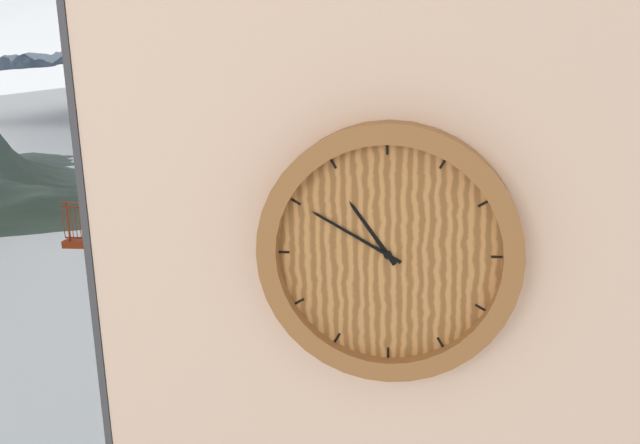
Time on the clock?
10:50
